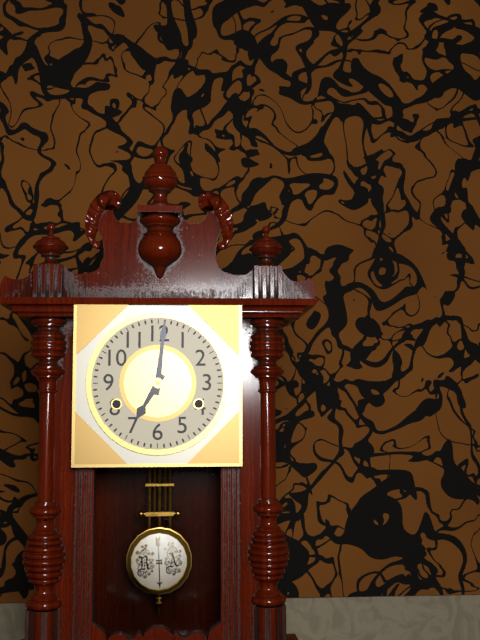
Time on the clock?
7:01
